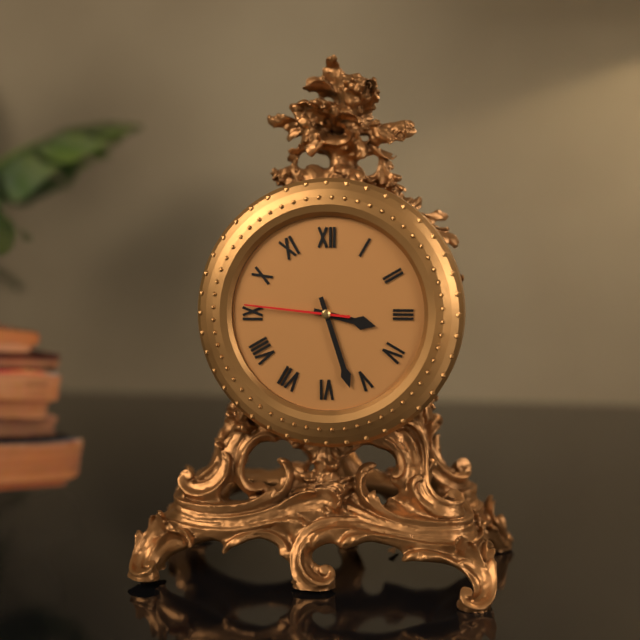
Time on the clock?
3:27:46
